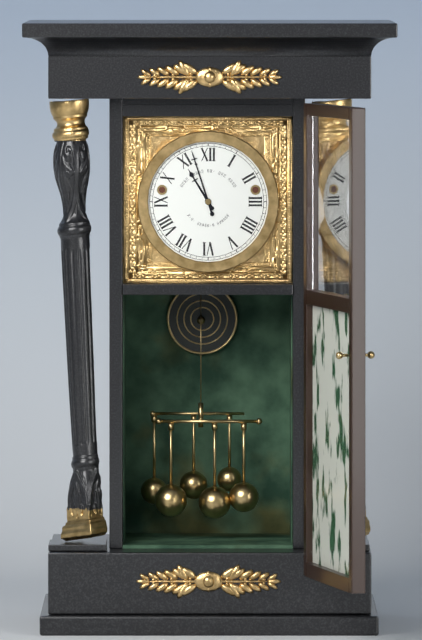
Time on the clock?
10:57
